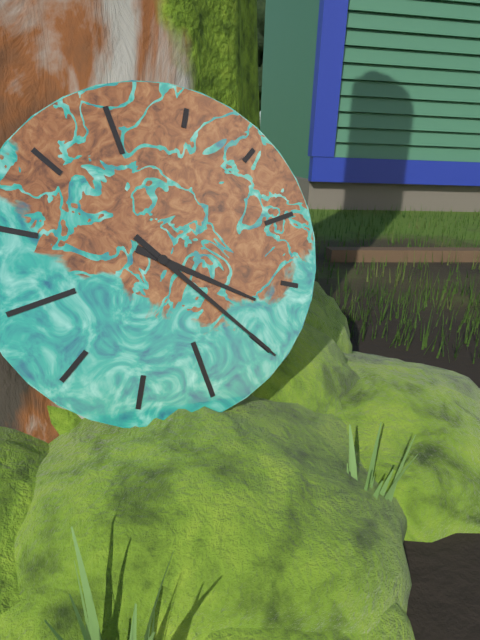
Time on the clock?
4:25
